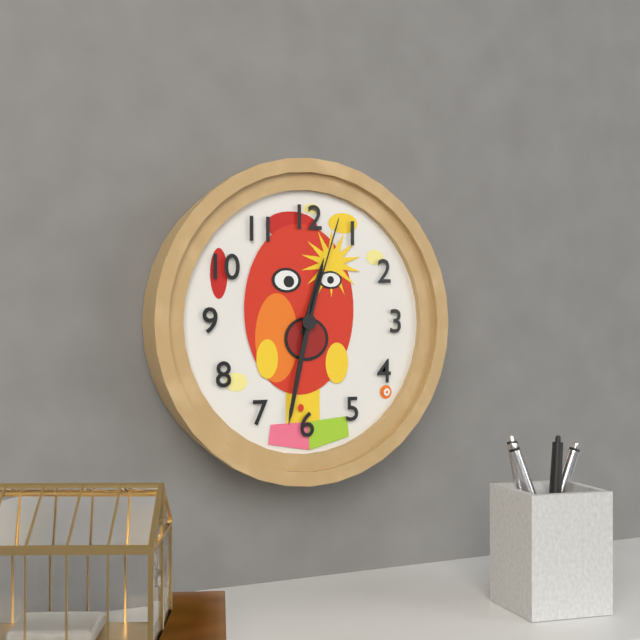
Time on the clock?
12:32:03
